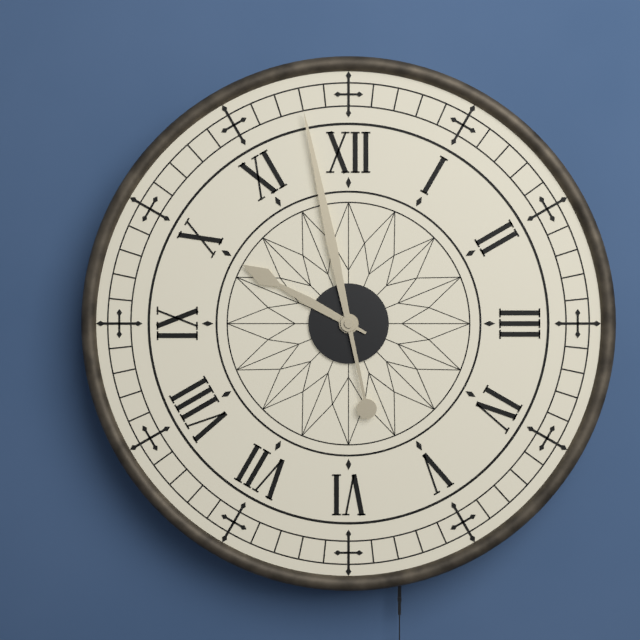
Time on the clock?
9:58
